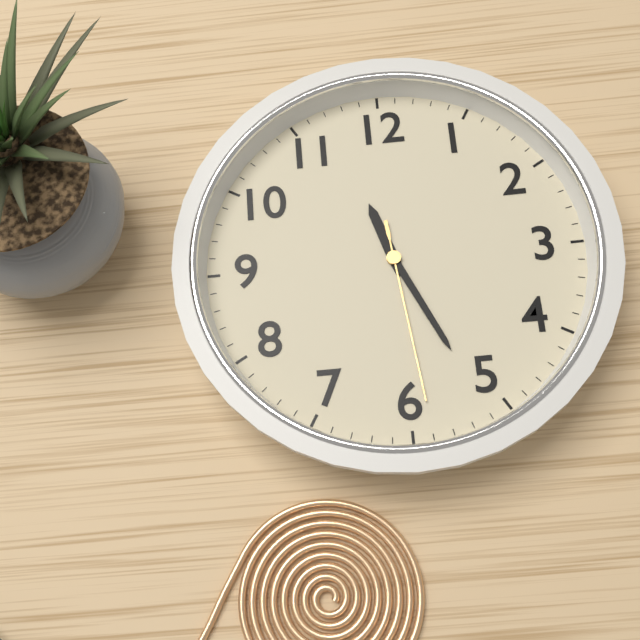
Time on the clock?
11:26:29
